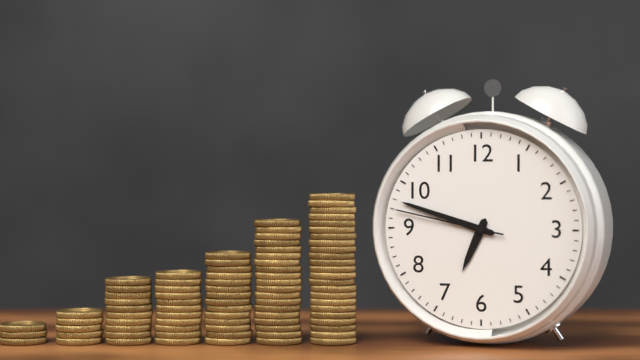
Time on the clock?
6:48:47
